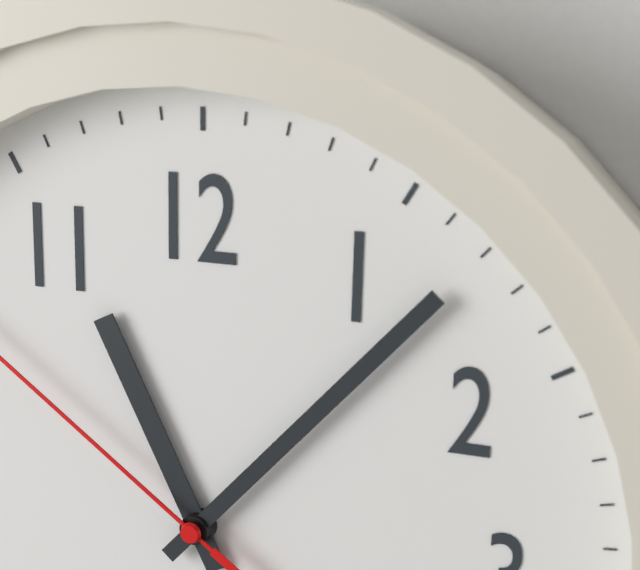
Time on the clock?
11:07
